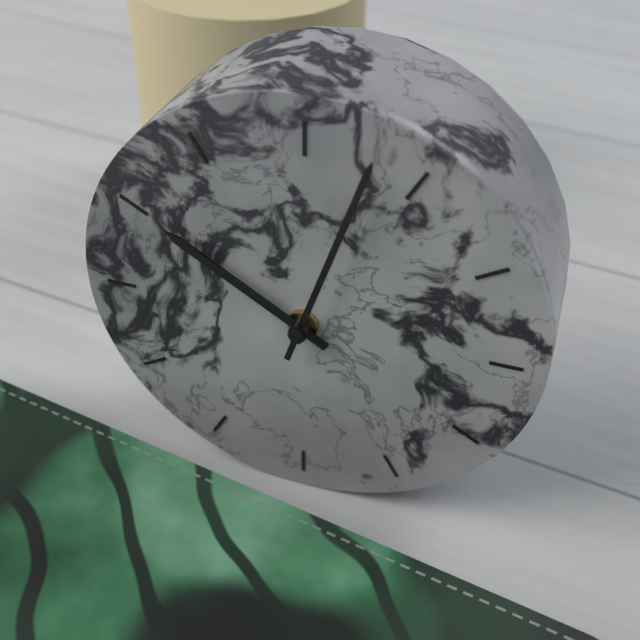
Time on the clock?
10:03
